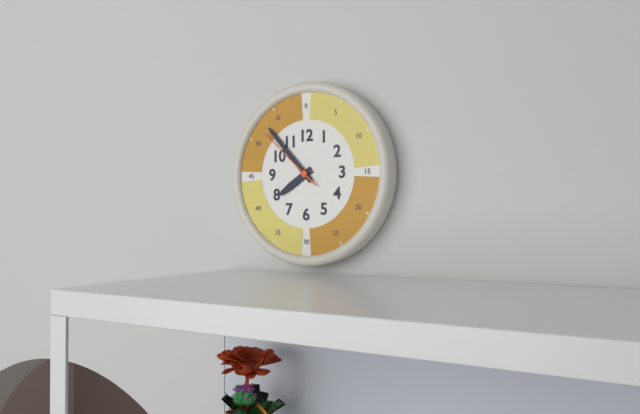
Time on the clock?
7:53:52
